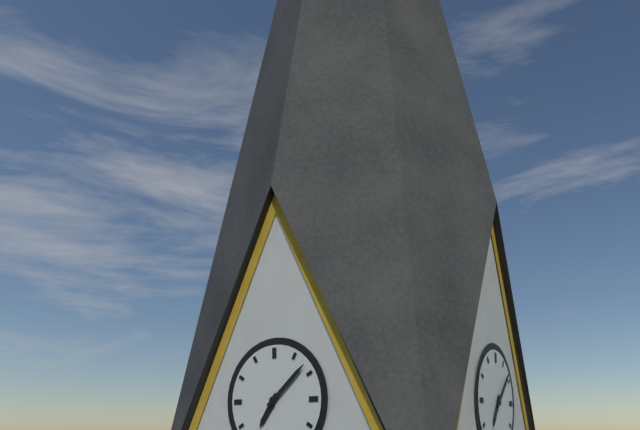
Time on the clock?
7:08
